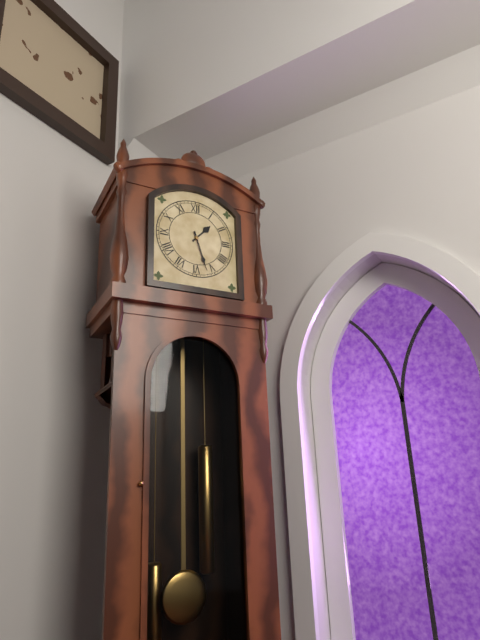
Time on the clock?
1:27
